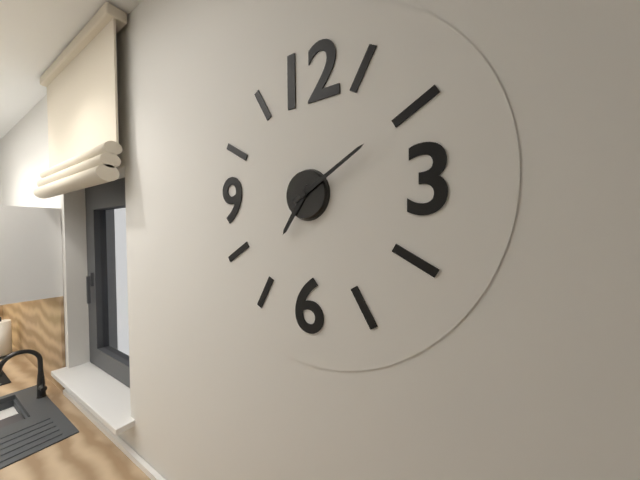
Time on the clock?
7:10
